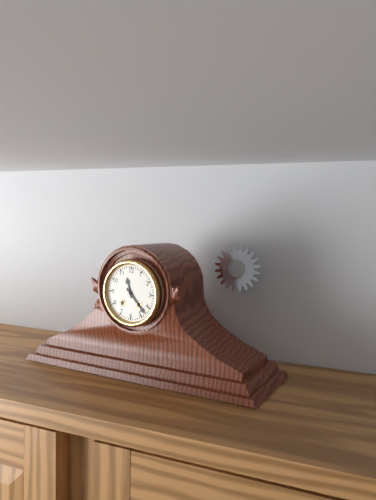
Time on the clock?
11:23
